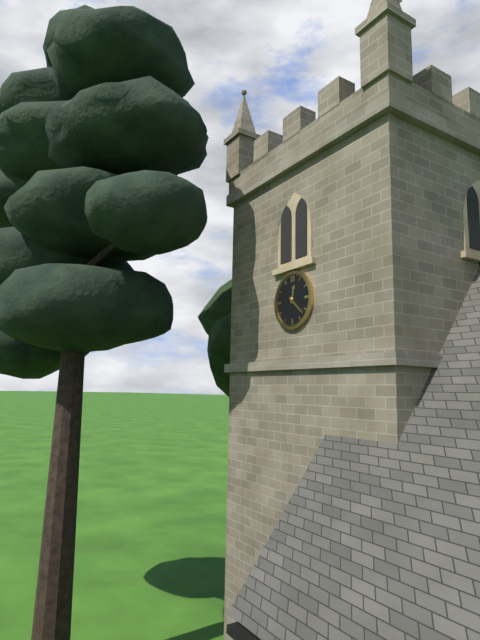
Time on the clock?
12:22
